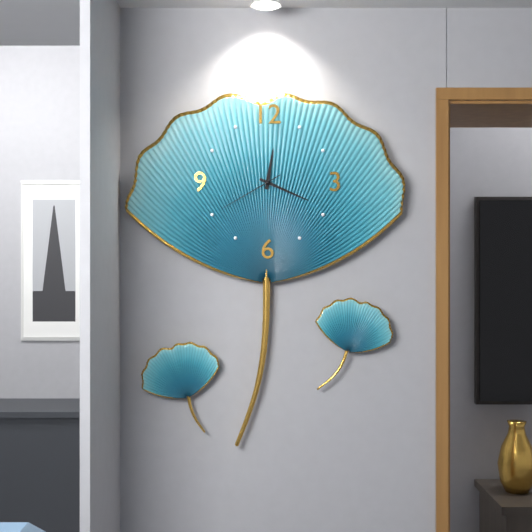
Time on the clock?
12:19:40
